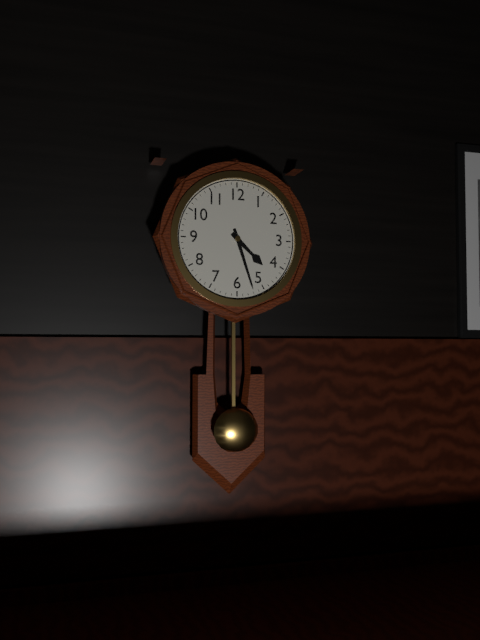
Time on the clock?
4:27
